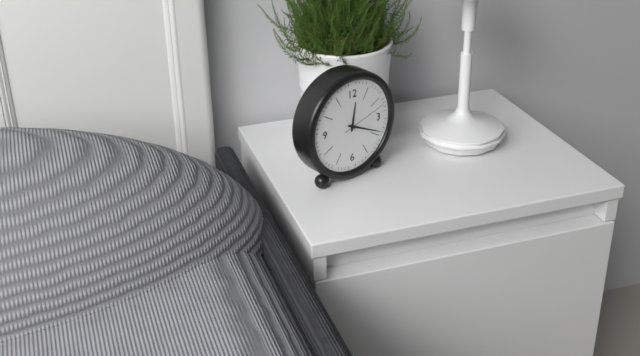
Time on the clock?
12:19
